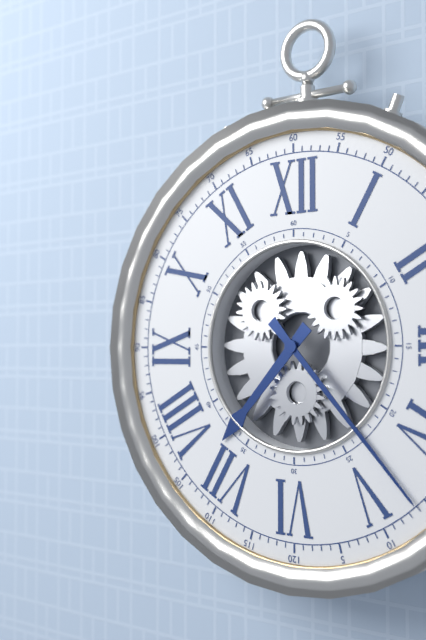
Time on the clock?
7:23
